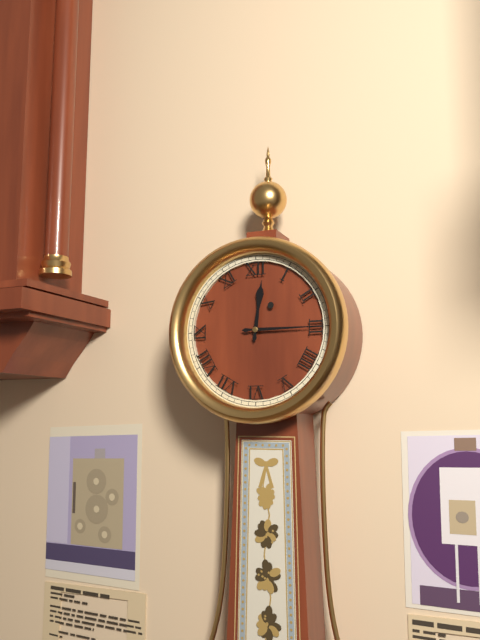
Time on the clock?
12:15
